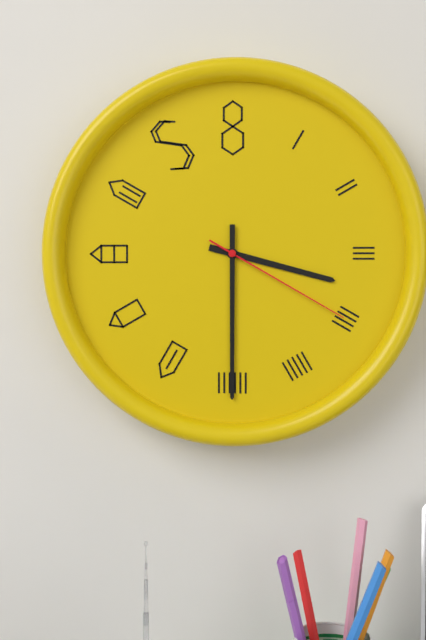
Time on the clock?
3:30:20
